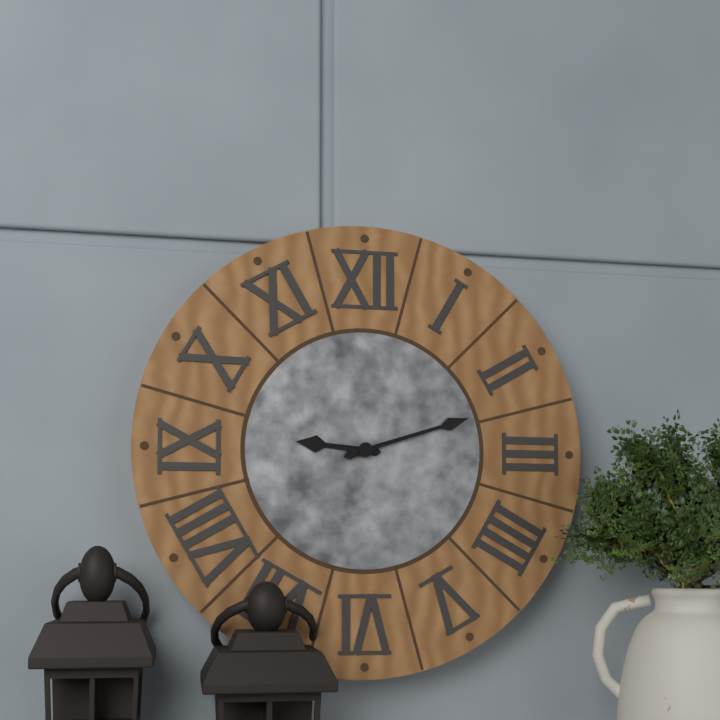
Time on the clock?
9:12
